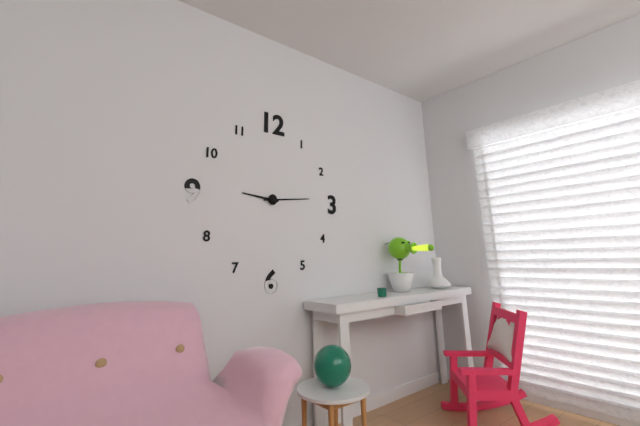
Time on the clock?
9:14
